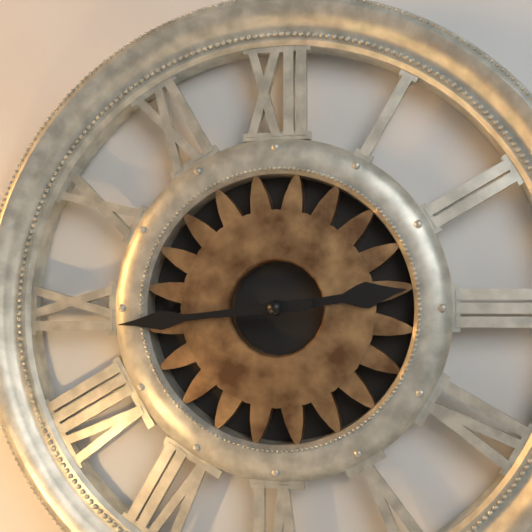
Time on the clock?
2:44
